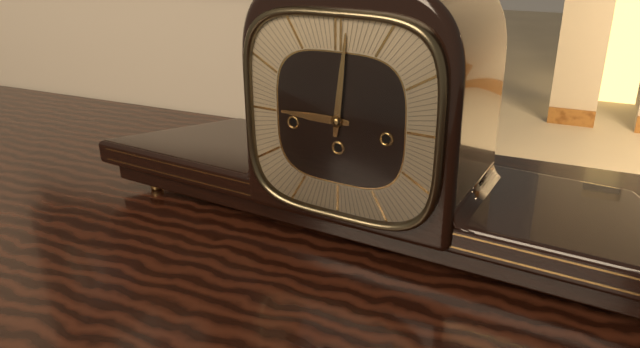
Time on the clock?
9:01
